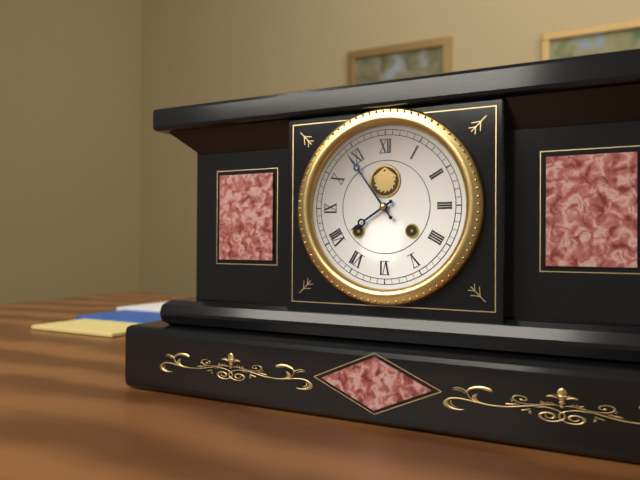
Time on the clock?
7:54
